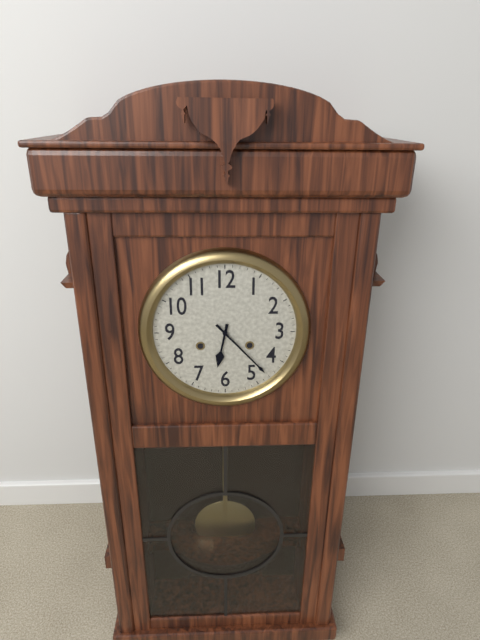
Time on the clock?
6:23
